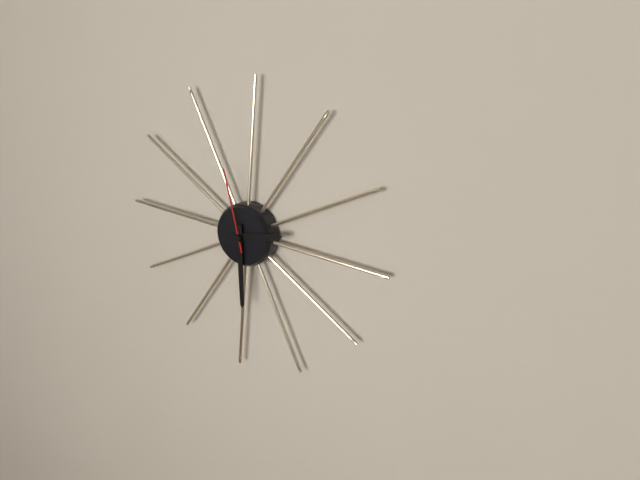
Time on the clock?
2:29:57
